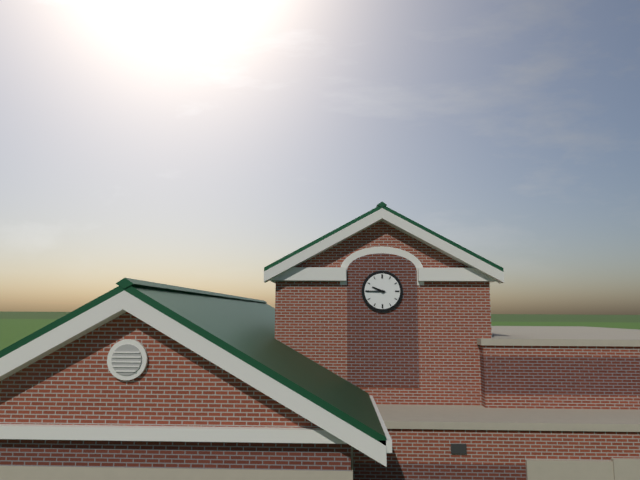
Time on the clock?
9:45
